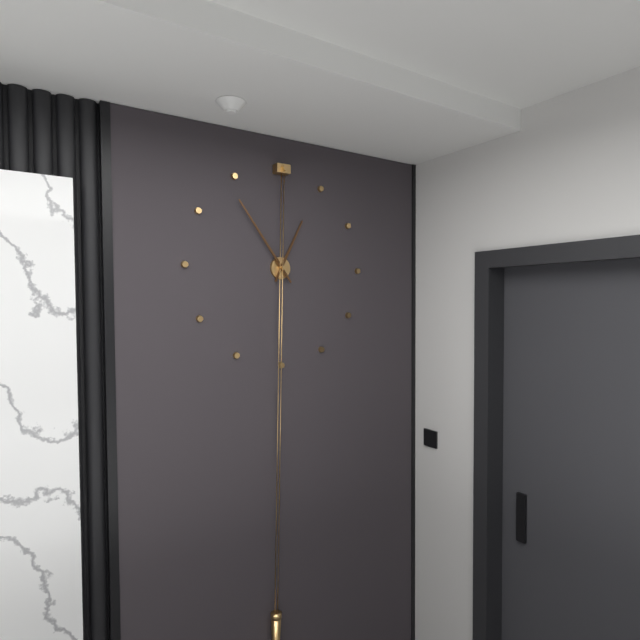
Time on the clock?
12:54
